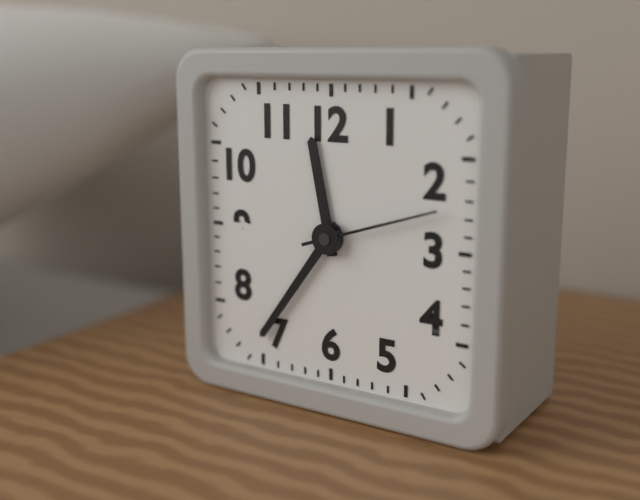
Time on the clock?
11:36:12
